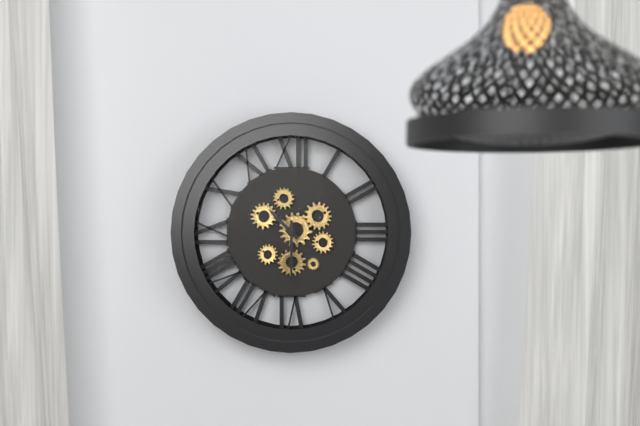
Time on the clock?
10:30
